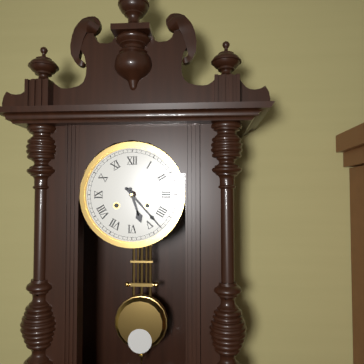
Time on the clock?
5:23
